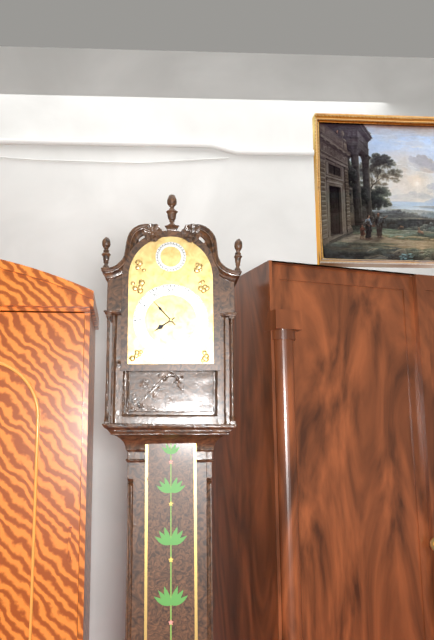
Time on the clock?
7:53
